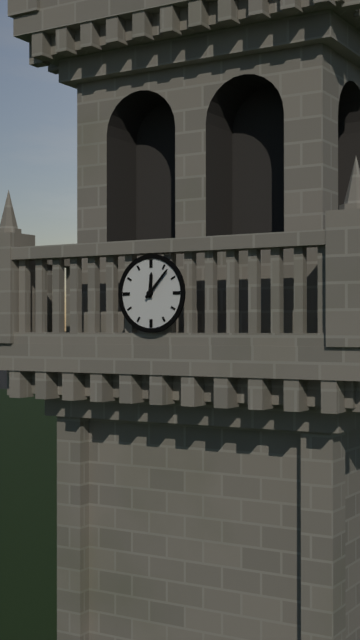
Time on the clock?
12:07
